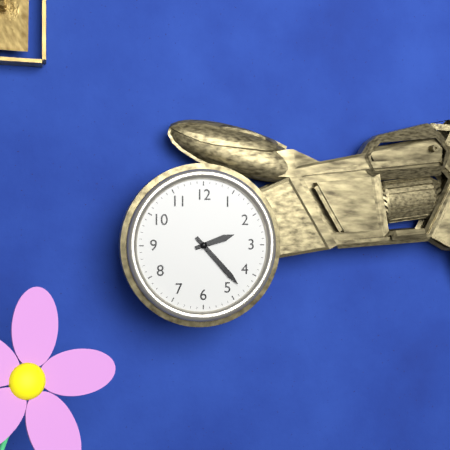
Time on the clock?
2:23
